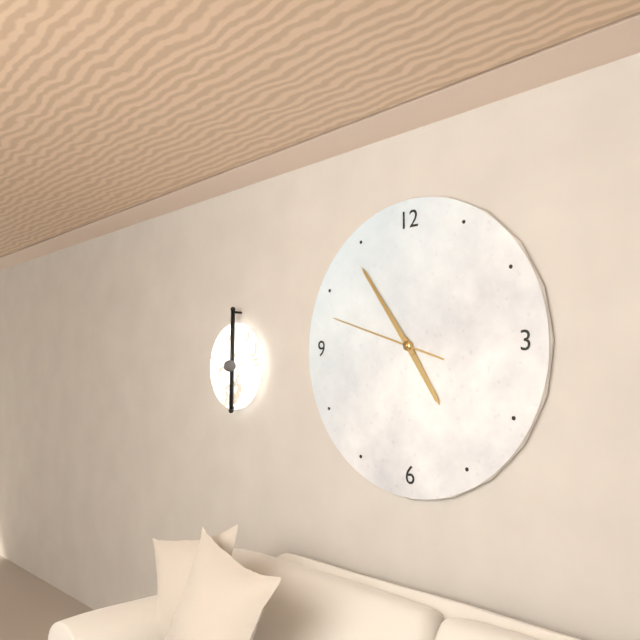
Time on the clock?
4:54:48
